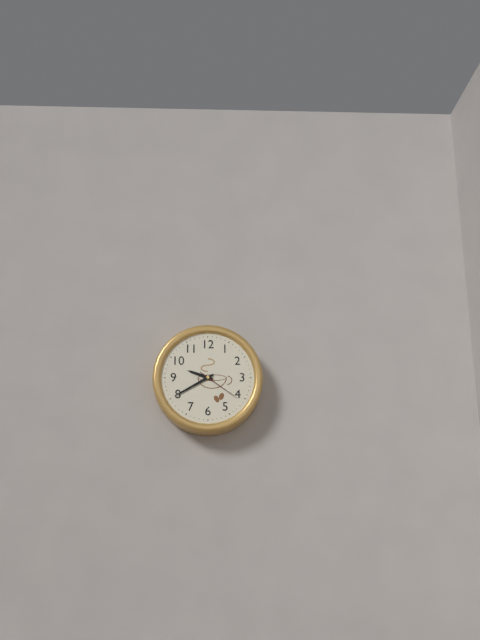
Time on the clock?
9:40
